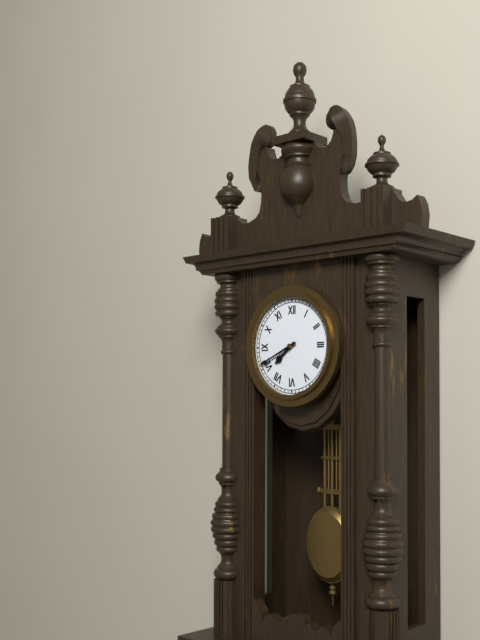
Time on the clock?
7:41
